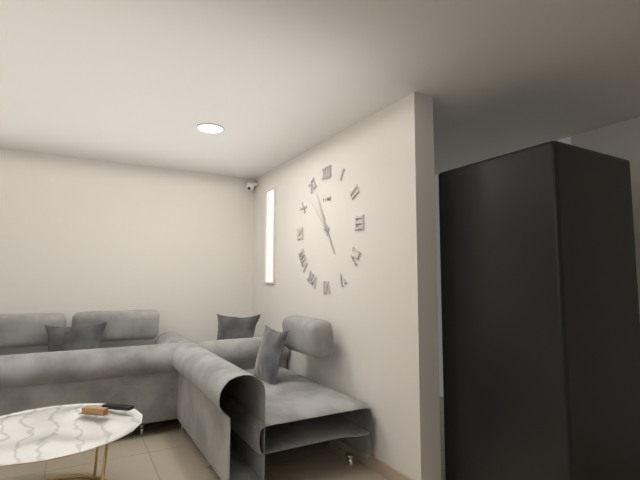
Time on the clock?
4:56
